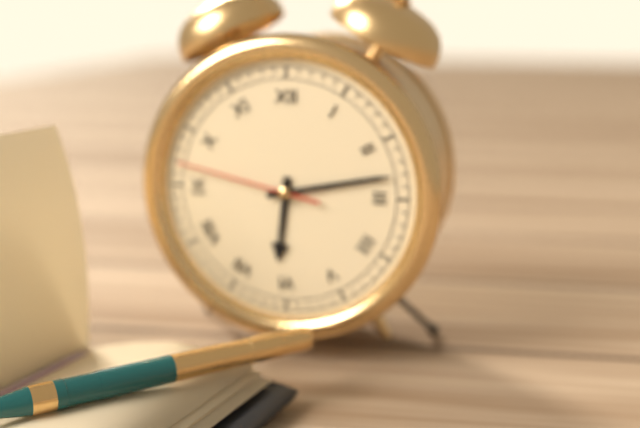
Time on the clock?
6:13:47
